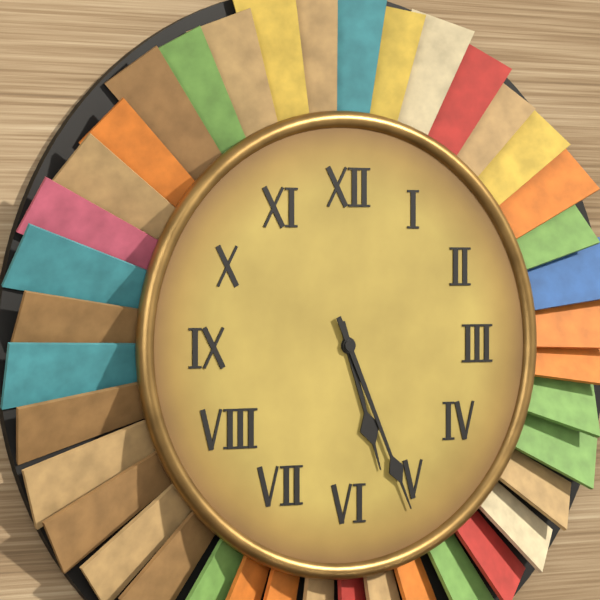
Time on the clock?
5:26
